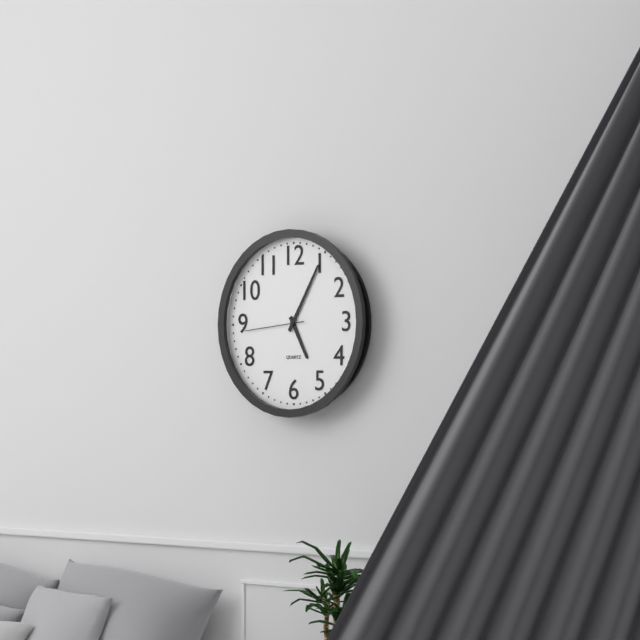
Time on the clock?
5:05:44
